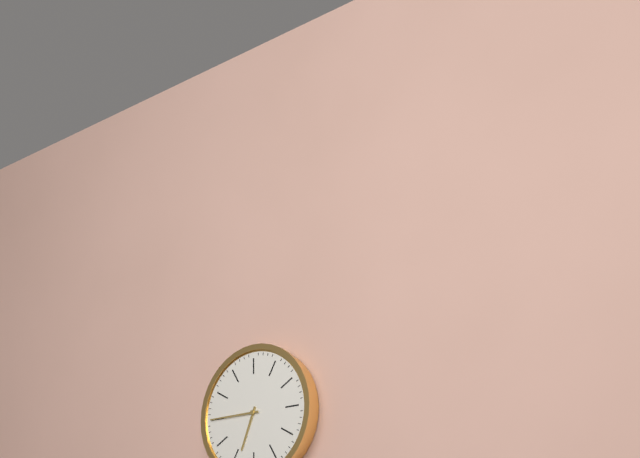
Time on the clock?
6:45
